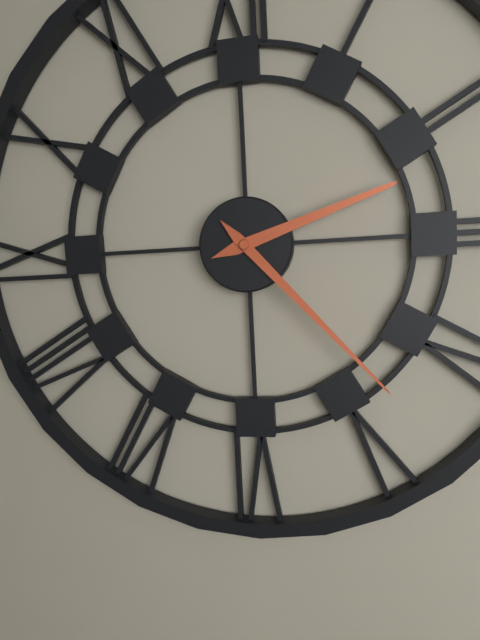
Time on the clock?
2:23
